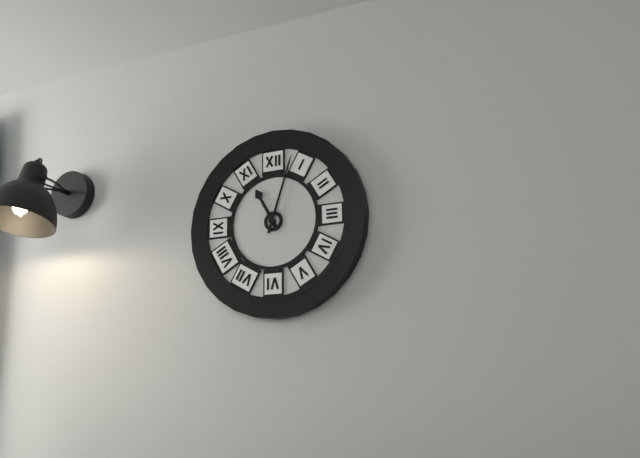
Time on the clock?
11:03
